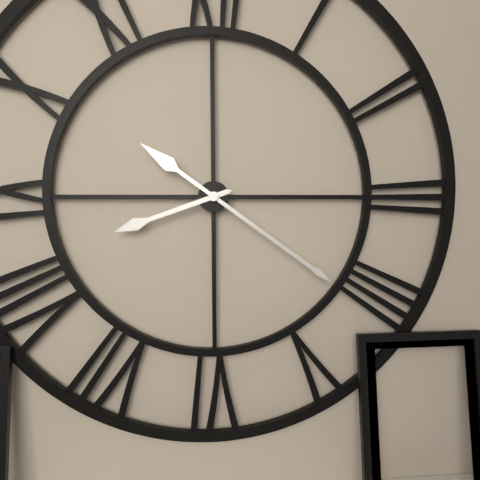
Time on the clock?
8:21
